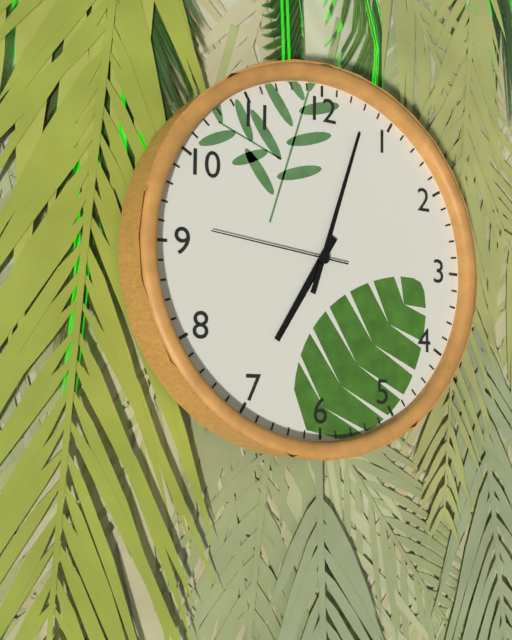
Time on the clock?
7:03:46
